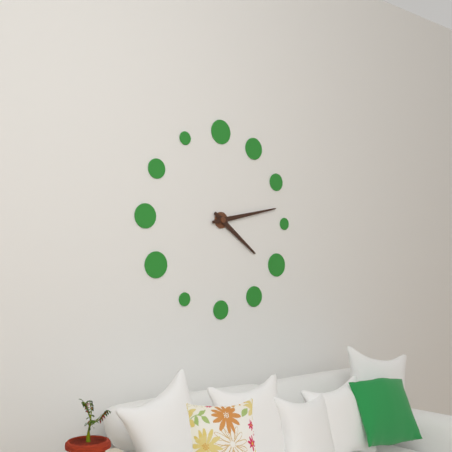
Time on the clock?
4:13
